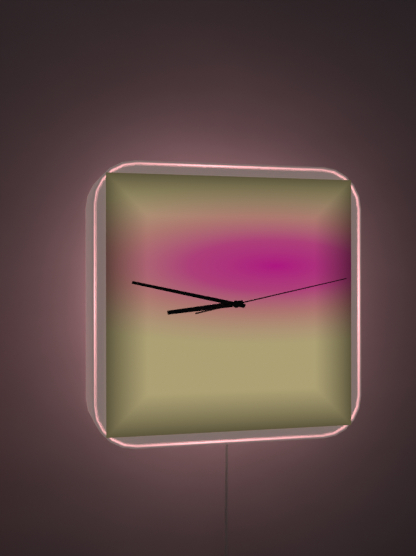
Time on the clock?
8:47:13
